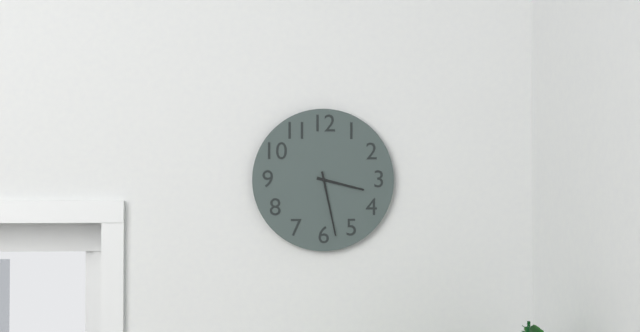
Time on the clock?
3:28
